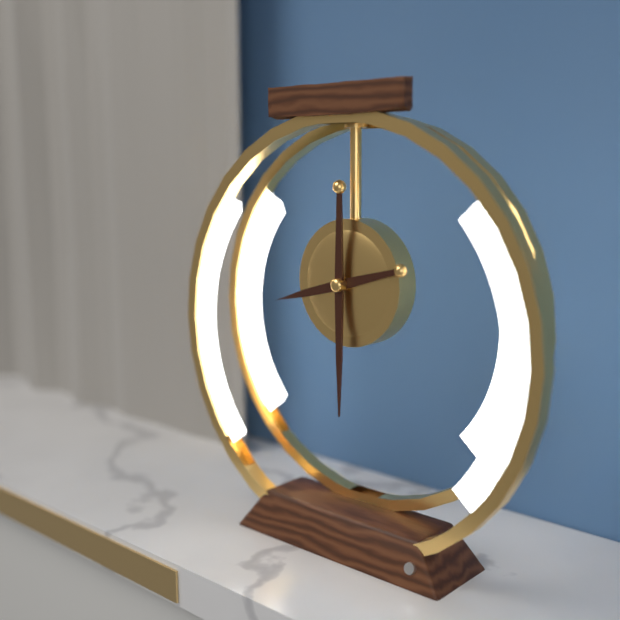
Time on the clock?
8:30
